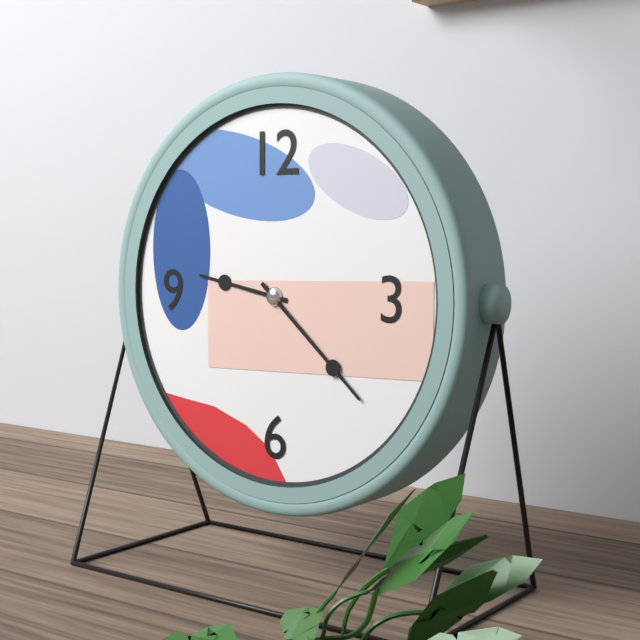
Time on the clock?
9:22
